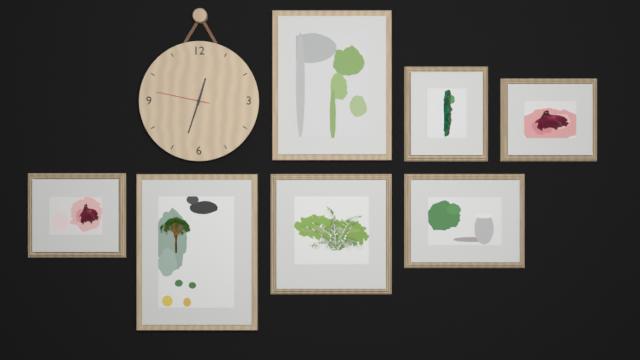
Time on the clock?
12:33:47
